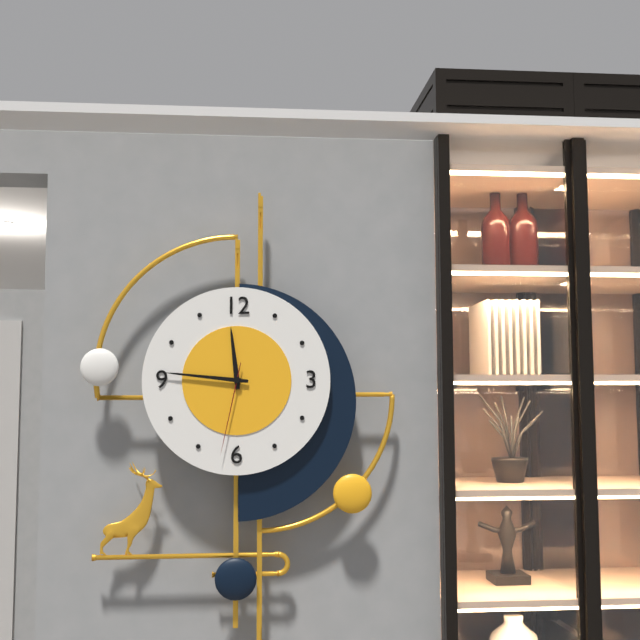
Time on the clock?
11:46:32
